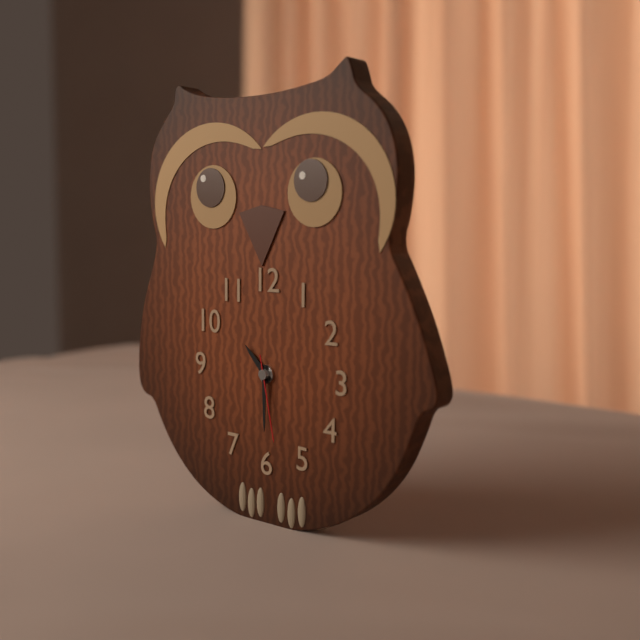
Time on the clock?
10:30:28
